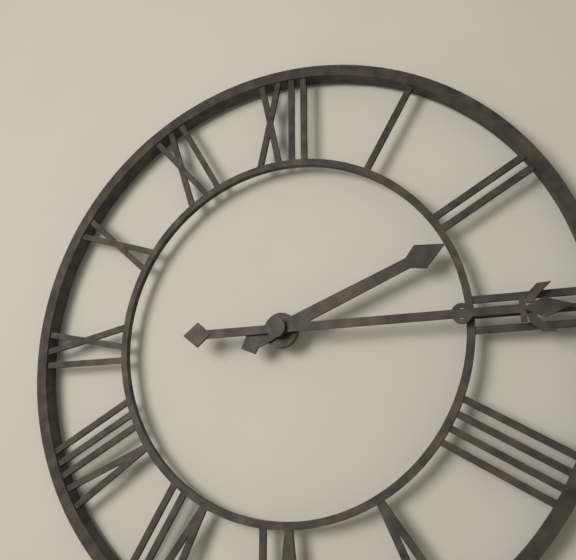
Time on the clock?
2:15
